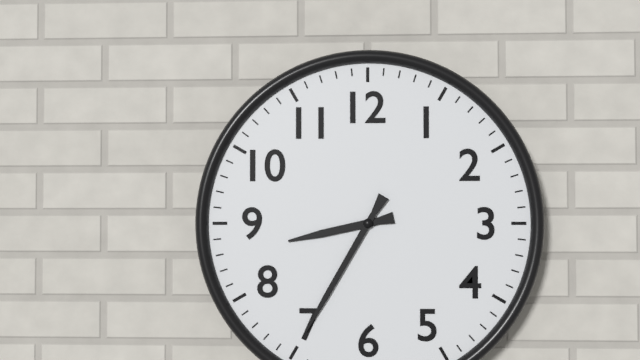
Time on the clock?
8:35
